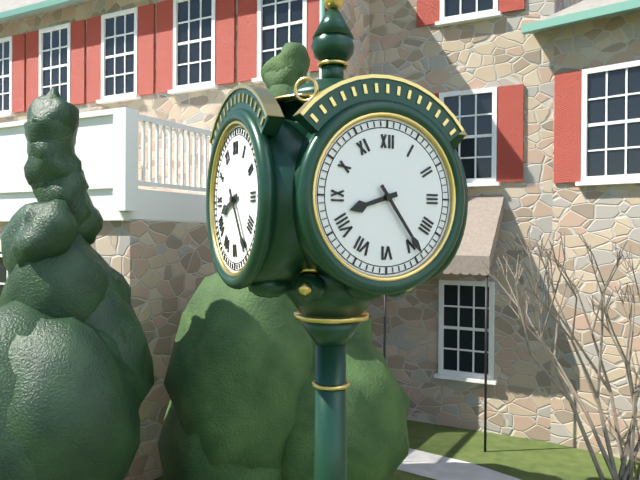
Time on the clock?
8:24
